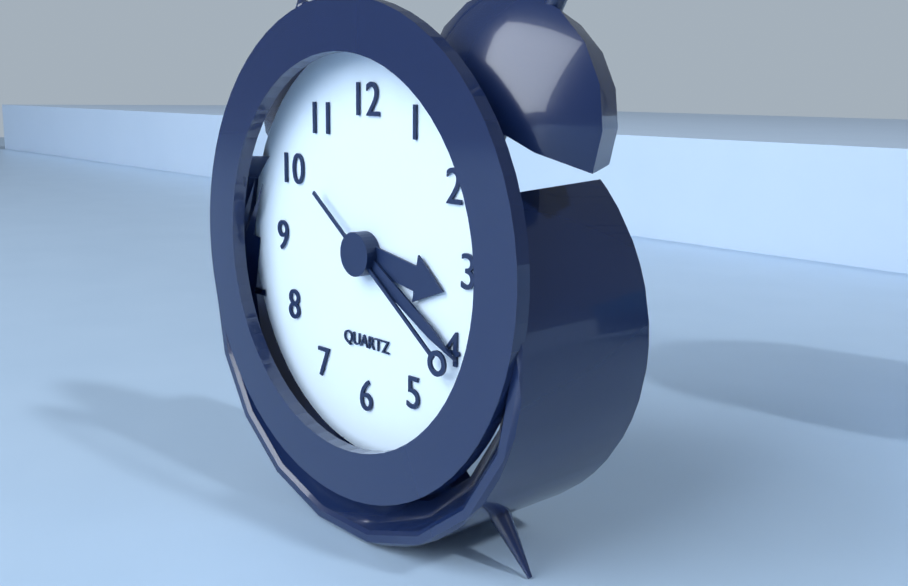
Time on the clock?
3:20:21
